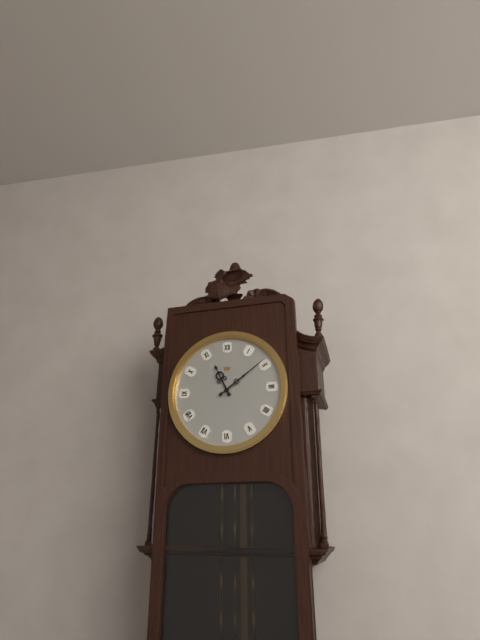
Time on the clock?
11:09
